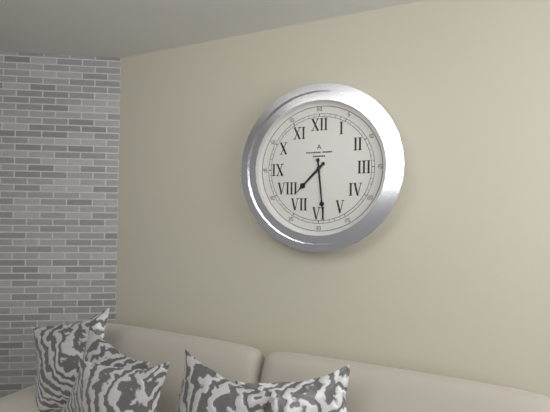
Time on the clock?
7:29
